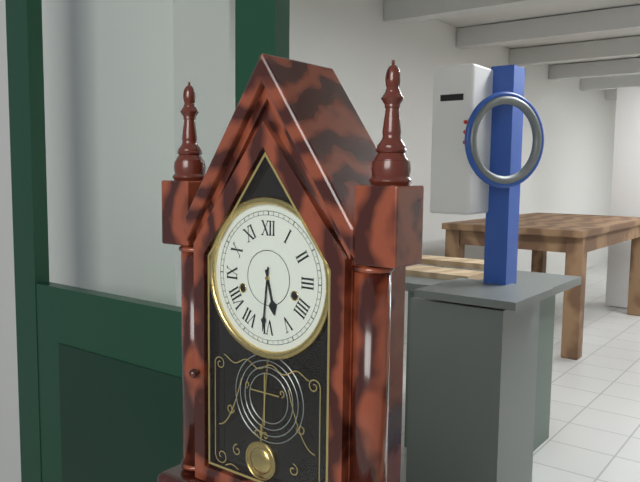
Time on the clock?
5:31
